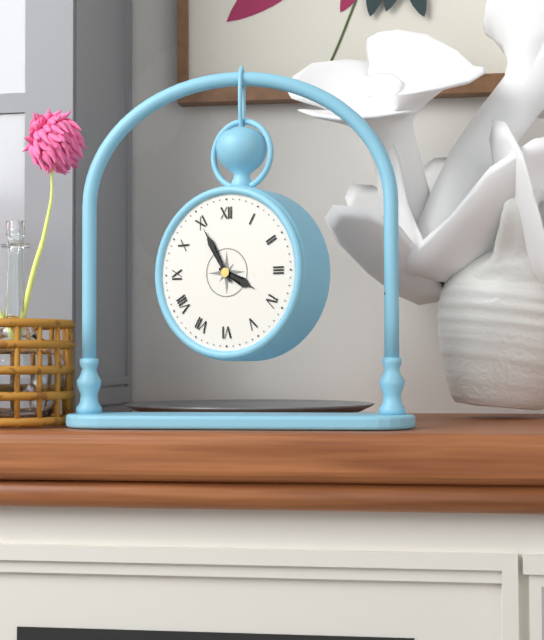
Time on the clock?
3:55
